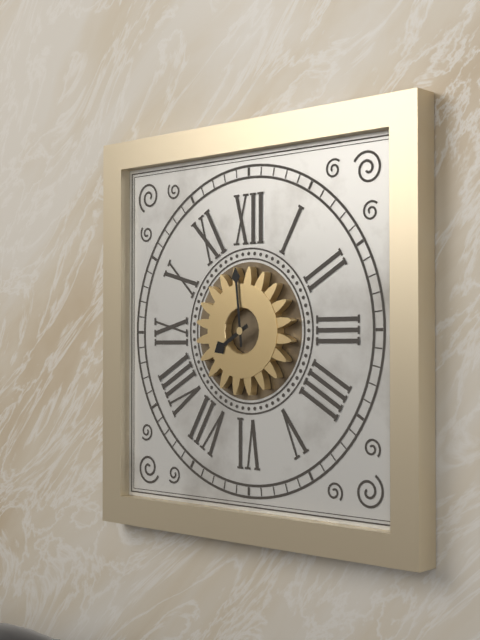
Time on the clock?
7:59
